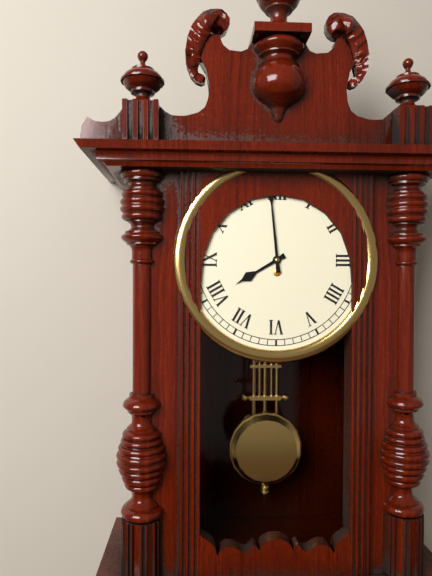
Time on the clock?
7:59
